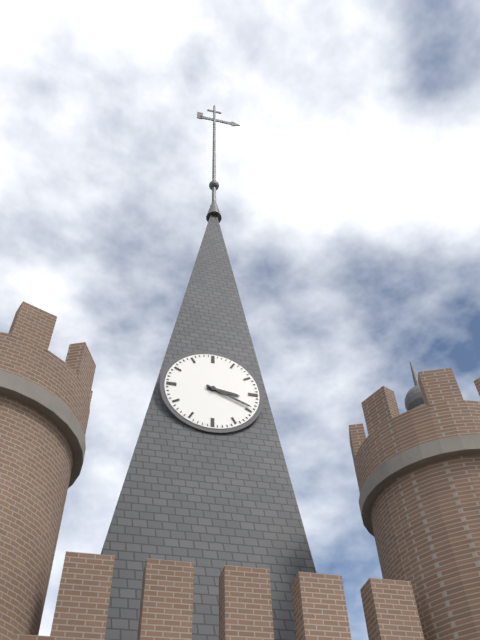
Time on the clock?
3:19
